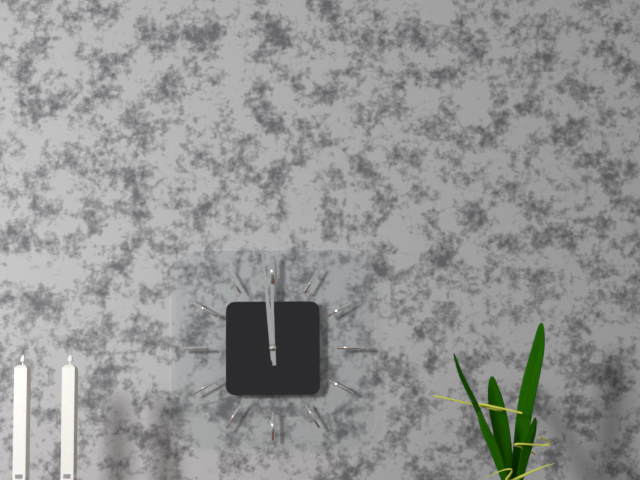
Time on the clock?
11:59
